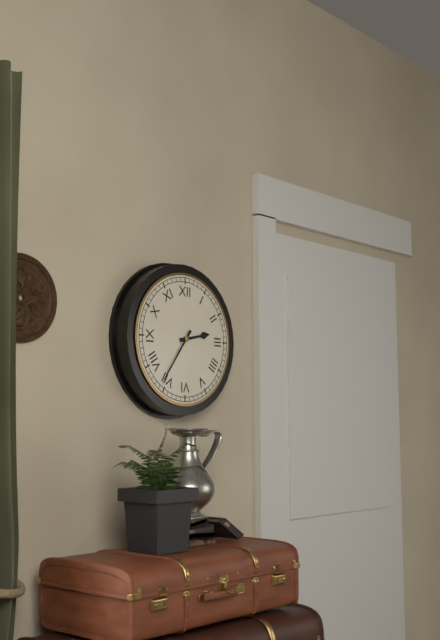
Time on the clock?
2:36
